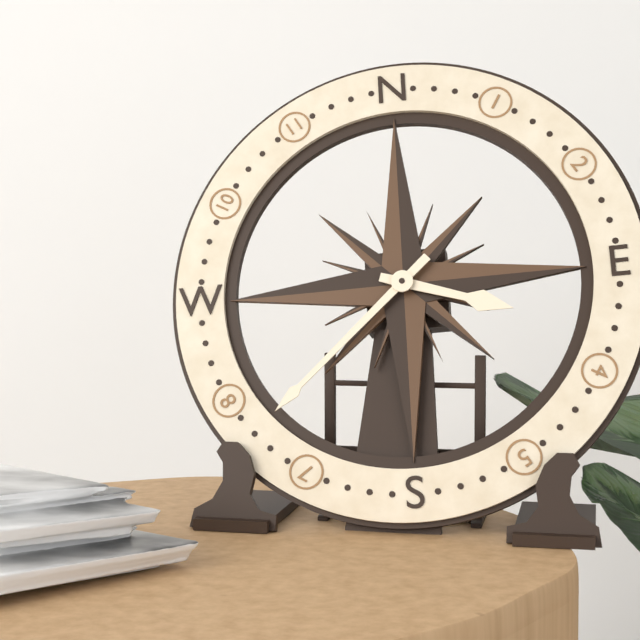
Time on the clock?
3:38
